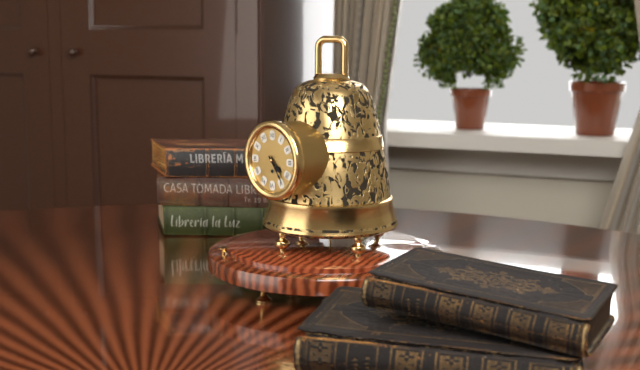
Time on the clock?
4:24
